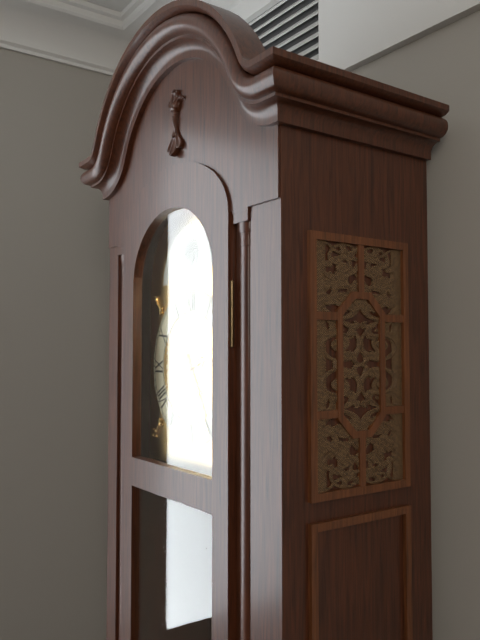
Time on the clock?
2:25
